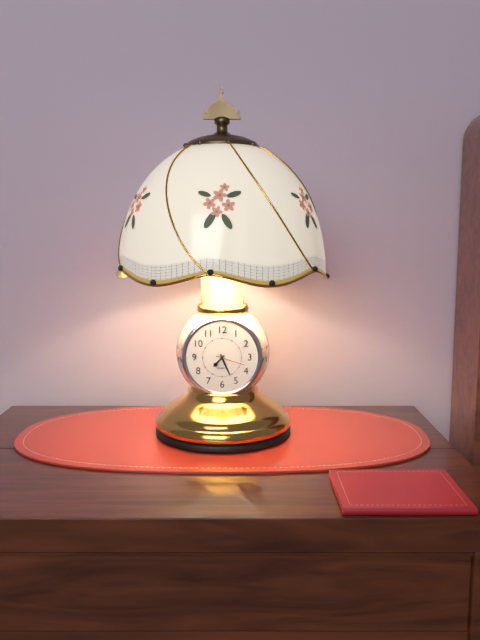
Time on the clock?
7:26
